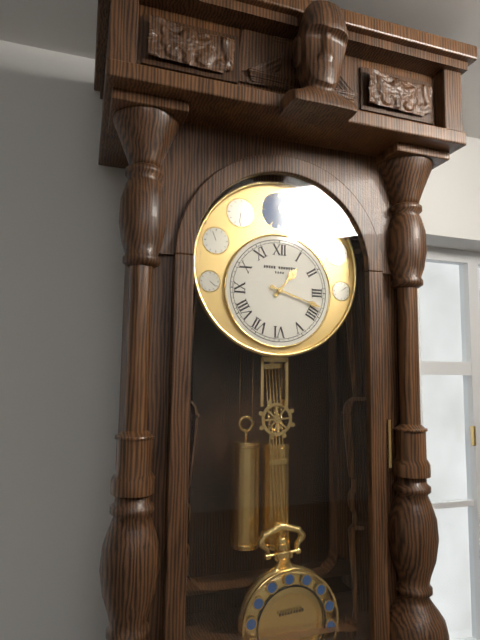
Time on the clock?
1:18
